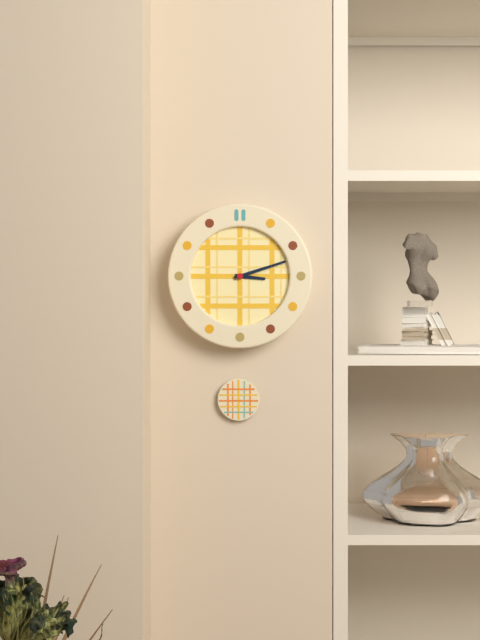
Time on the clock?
3:12
